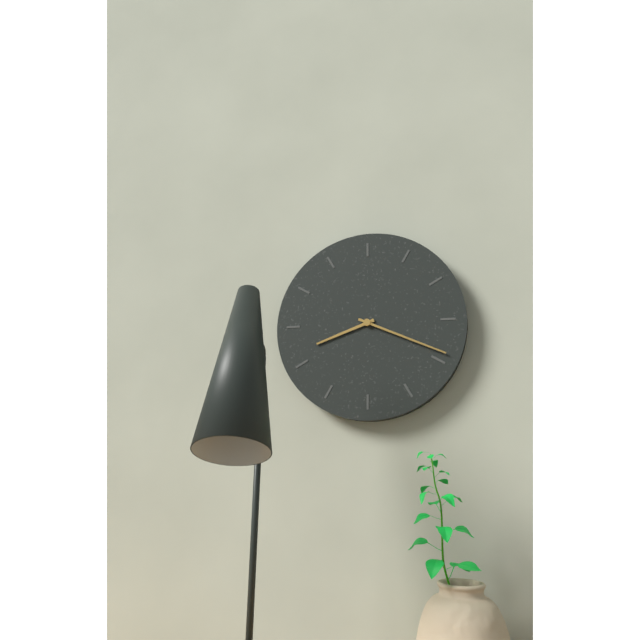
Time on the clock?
8:19
